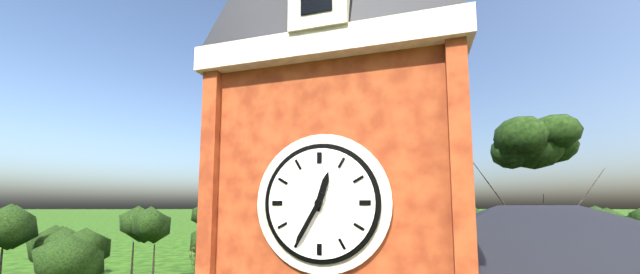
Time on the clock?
12:35
